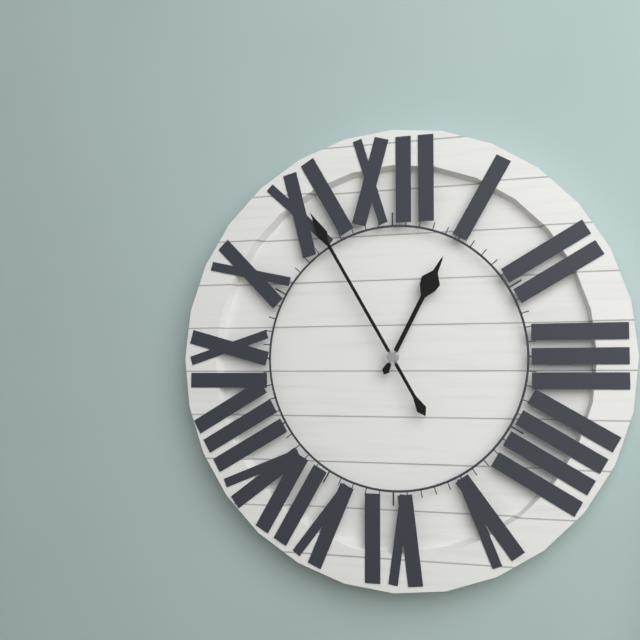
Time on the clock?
12:55
